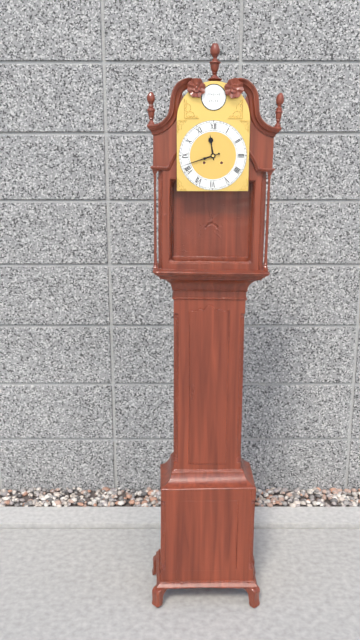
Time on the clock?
11:42
